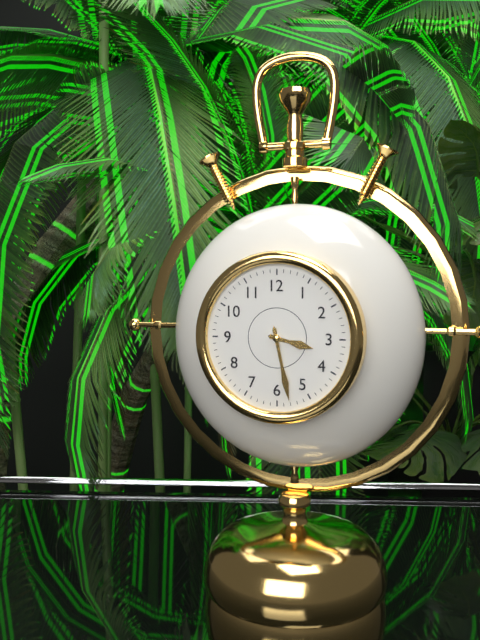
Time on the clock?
3:28
